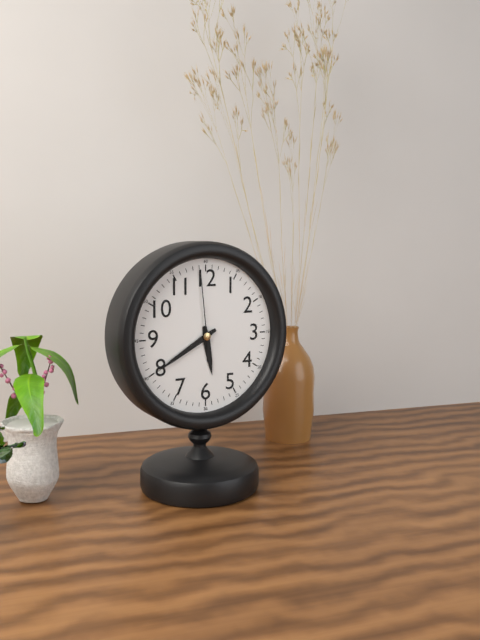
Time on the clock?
5:40:59
